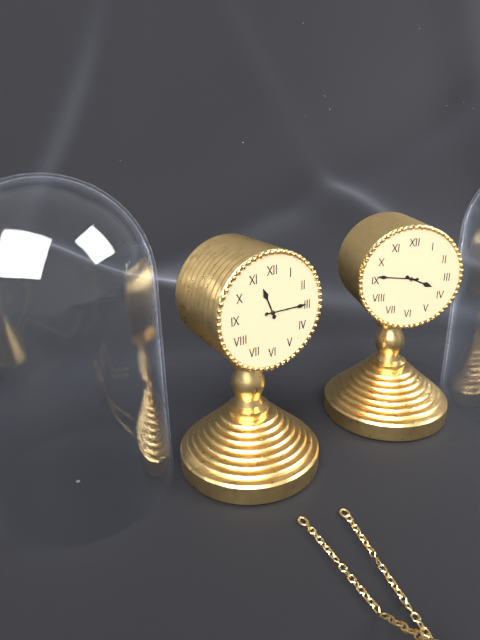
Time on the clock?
11:15
